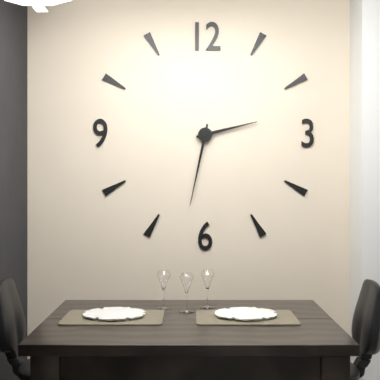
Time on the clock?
2:32
